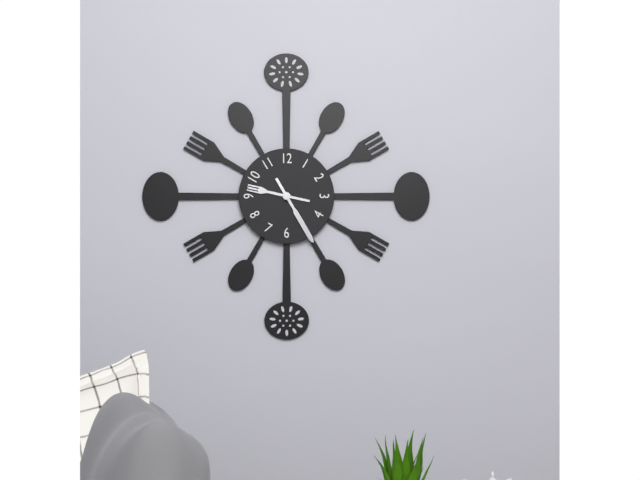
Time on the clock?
9:25
